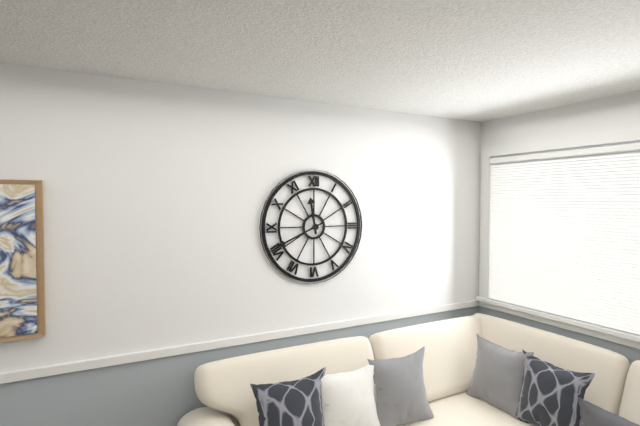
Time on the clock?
11:41
